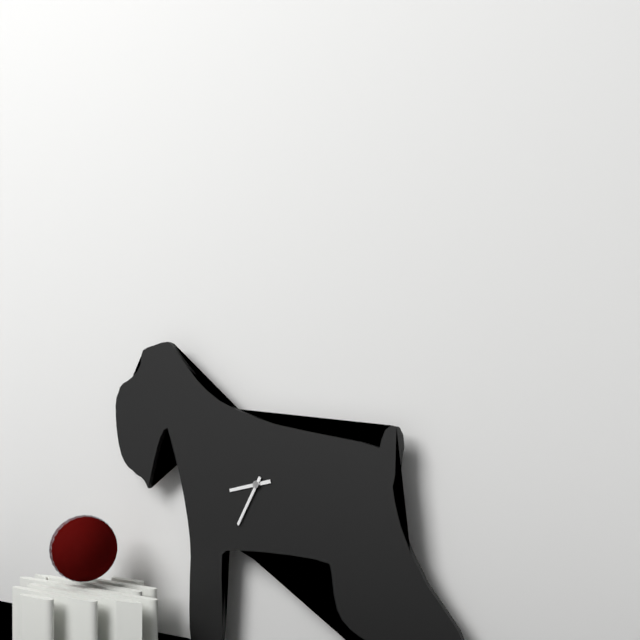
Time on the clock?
8:35
